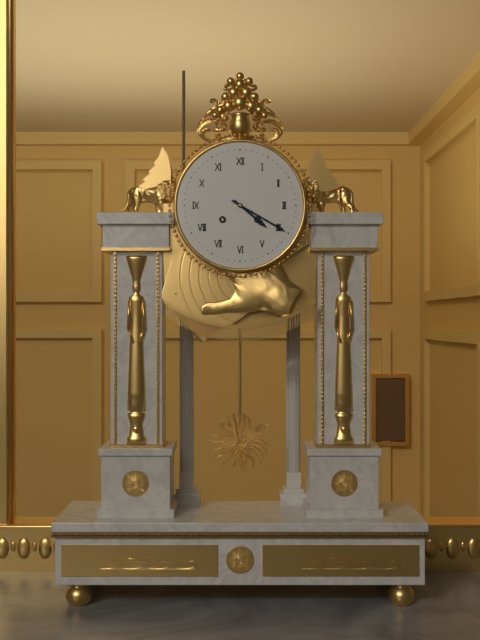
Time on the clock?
4:20
